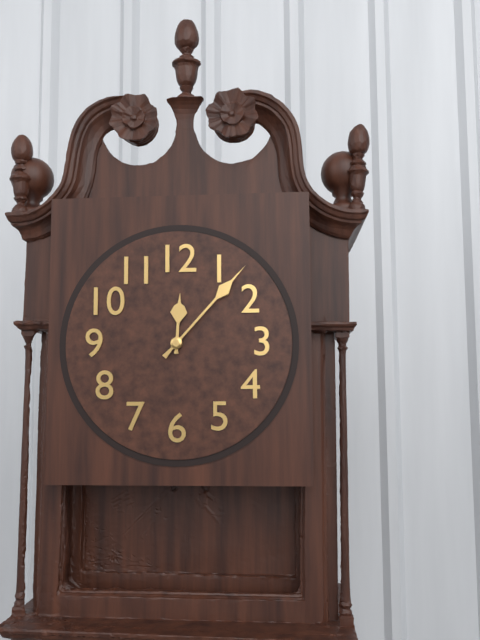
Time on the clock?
12:07
